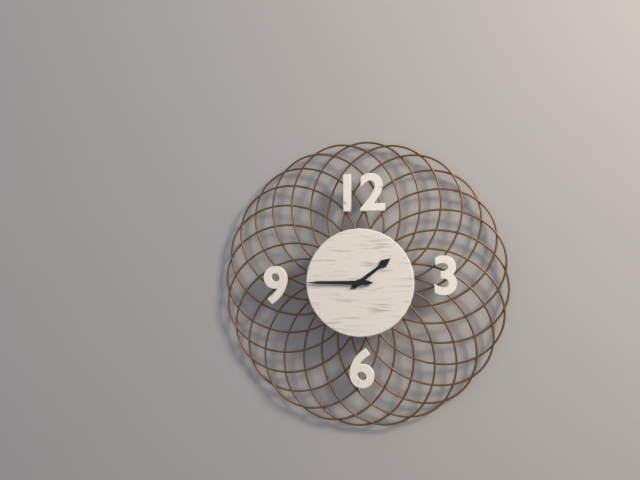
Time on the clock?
1:45
